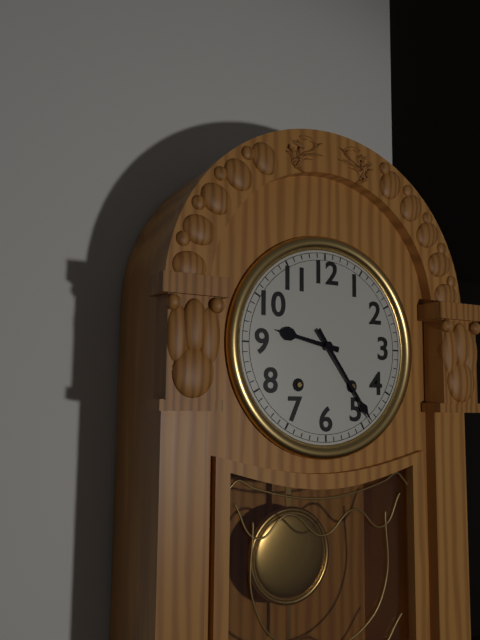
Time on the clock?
9:24
